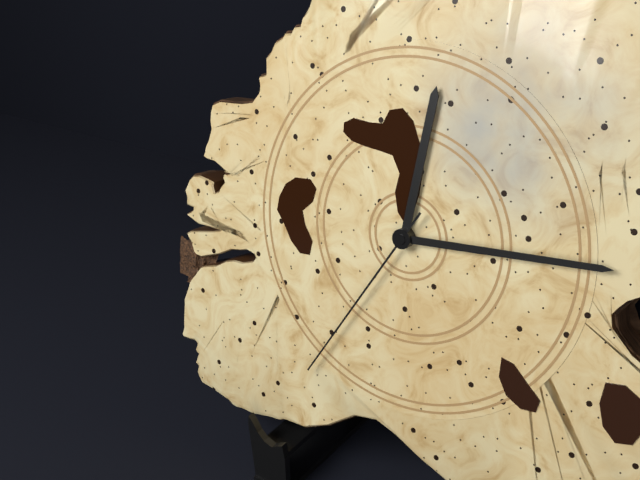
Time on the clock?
12:14:35
